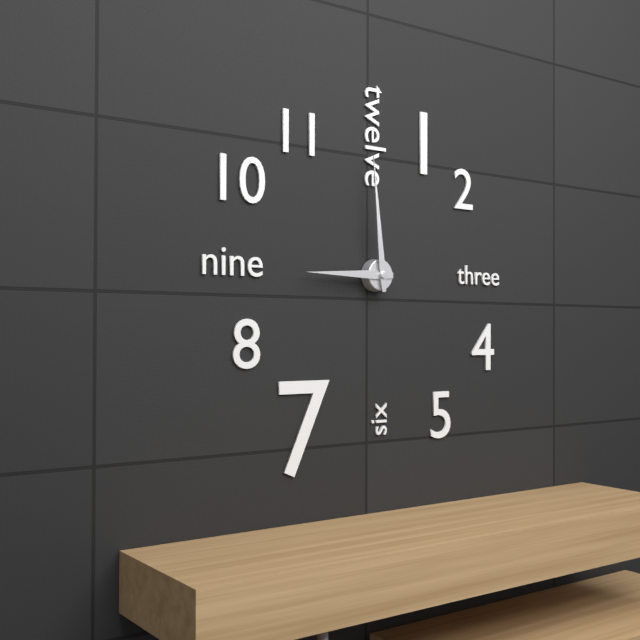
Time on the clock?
8:59
